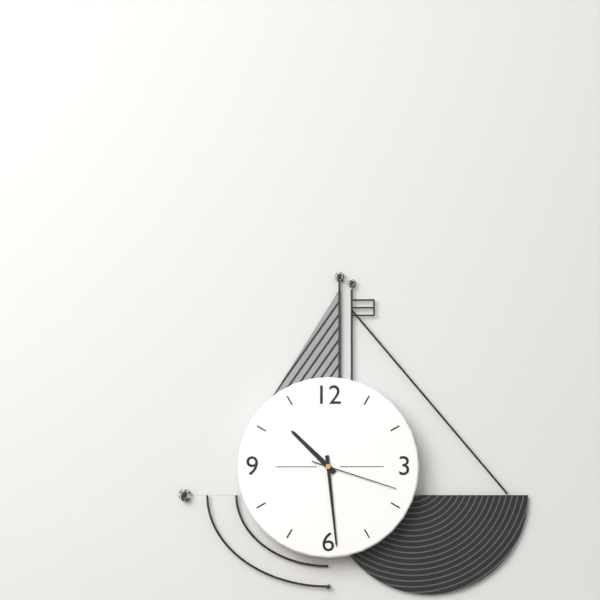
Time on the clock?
10:29:18
